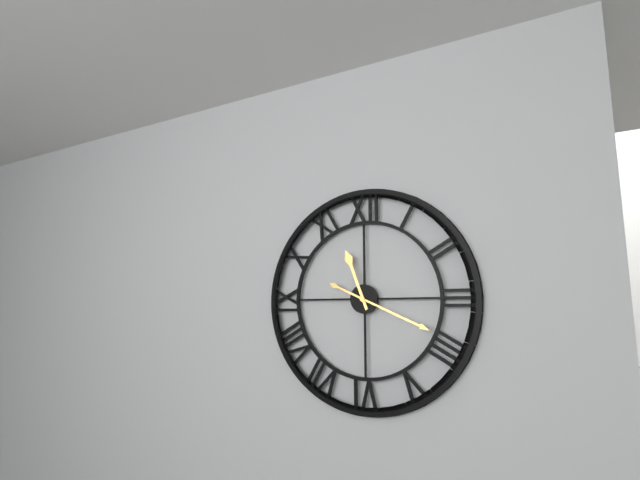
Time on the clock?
11:19
